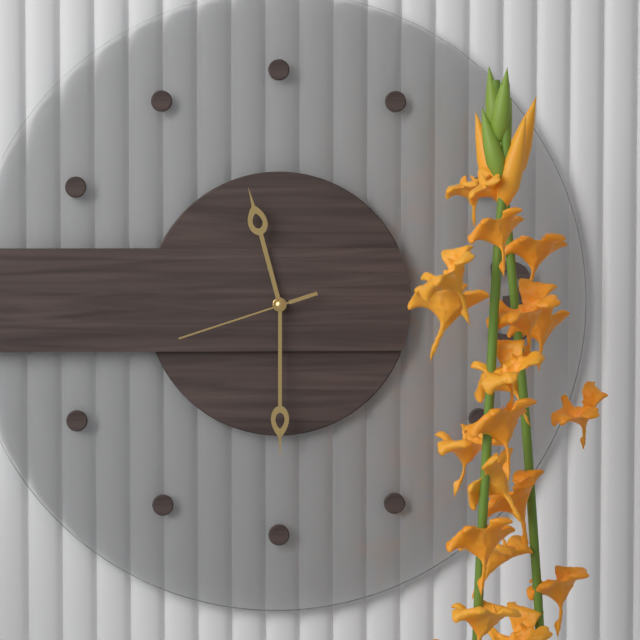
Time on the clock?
11:30:42
